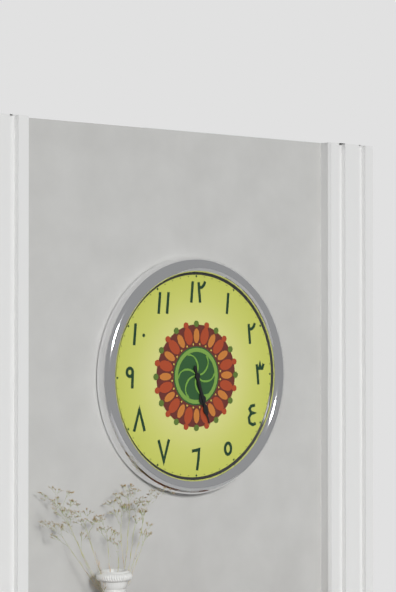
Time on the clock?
5:27
